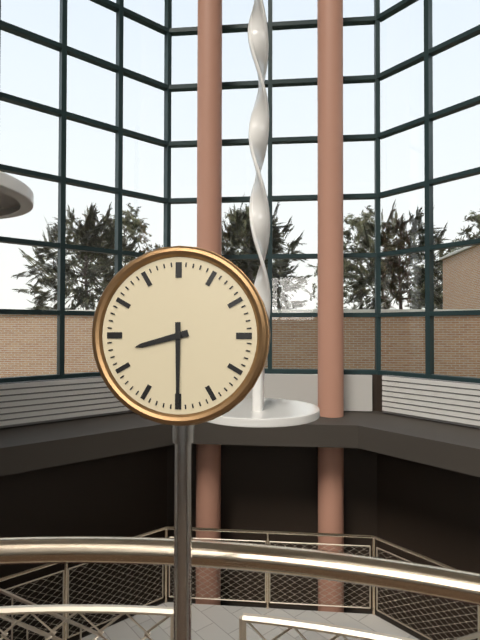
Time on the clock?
8:30
